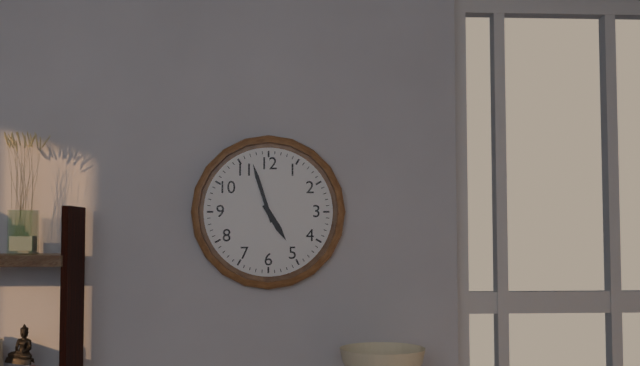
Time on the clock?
4:57
